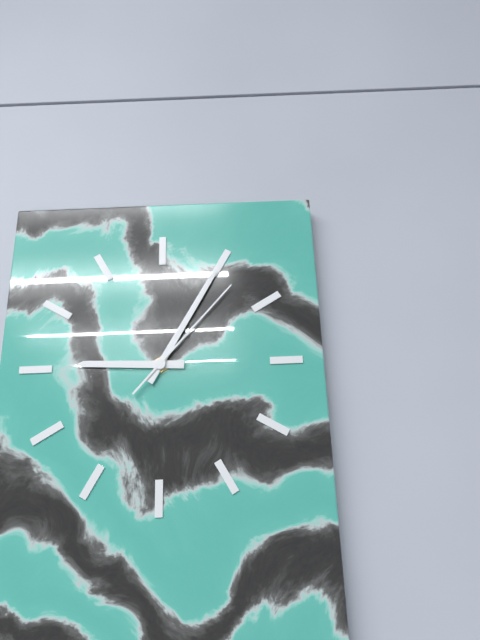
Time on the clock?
9:05:07
